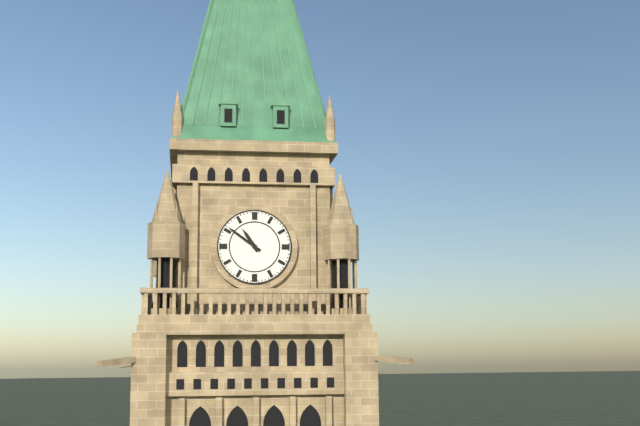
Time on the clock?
10:51
